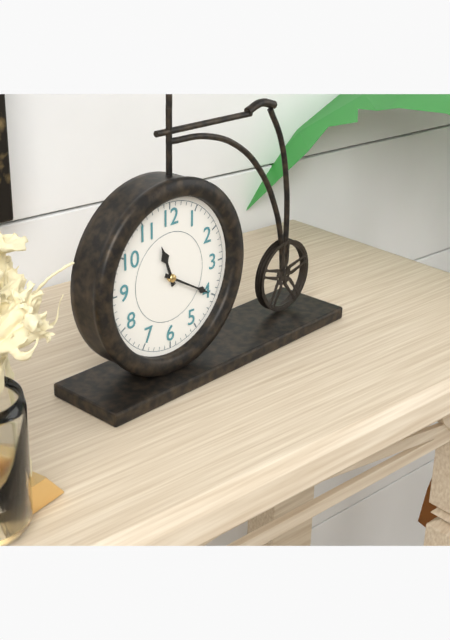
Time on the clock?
11:20
